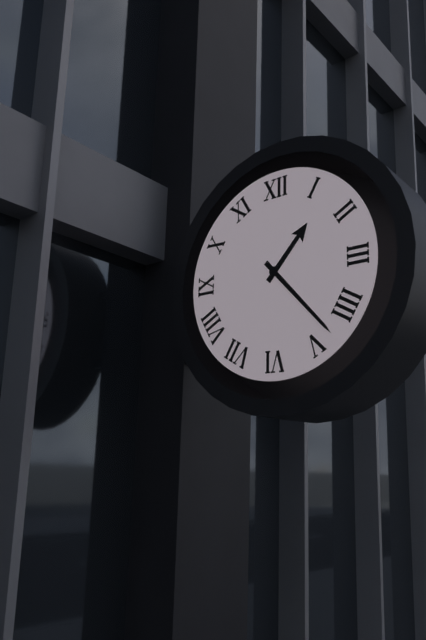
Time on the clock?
1:23
